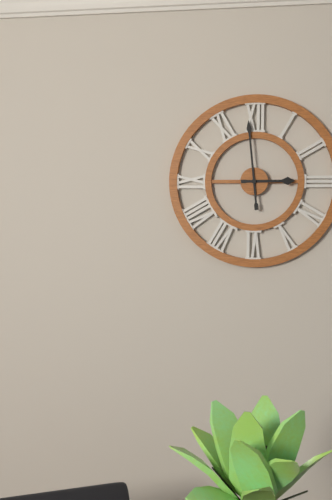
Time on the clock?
2:59
